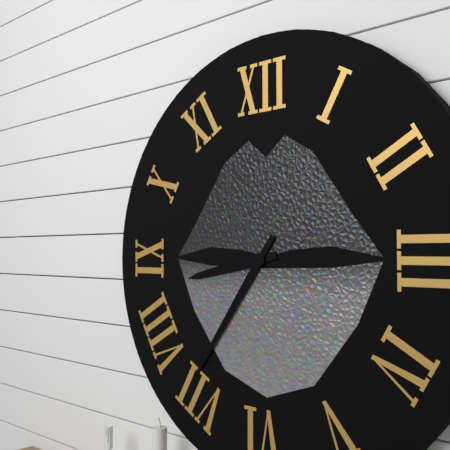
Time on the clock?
8:36
